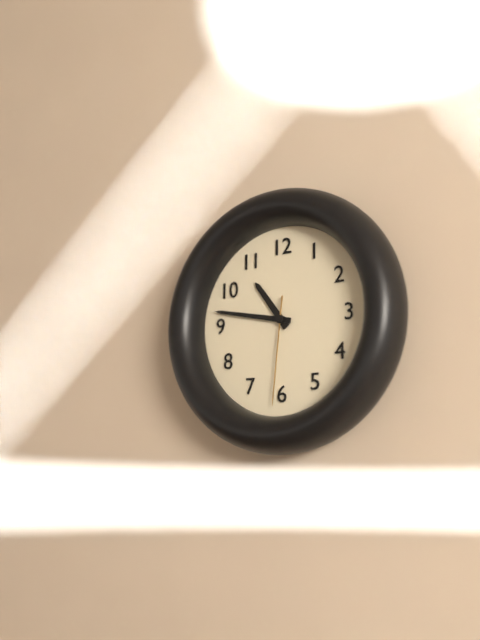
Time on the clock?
10:47:31
